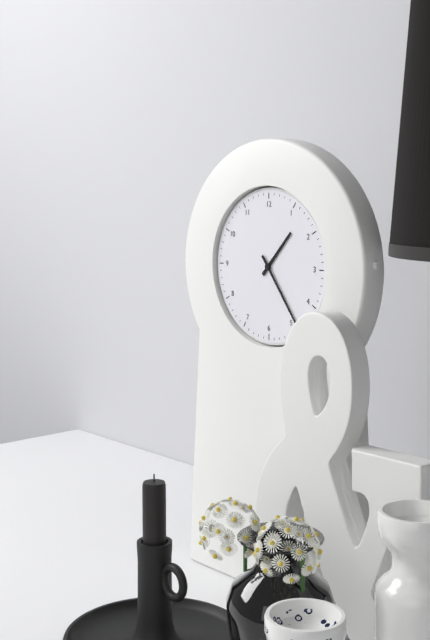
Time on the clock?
1:24
